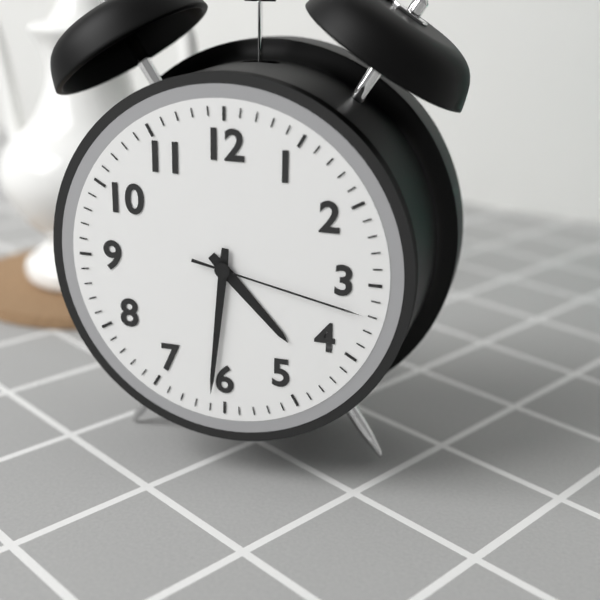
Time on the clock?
4:31:17
